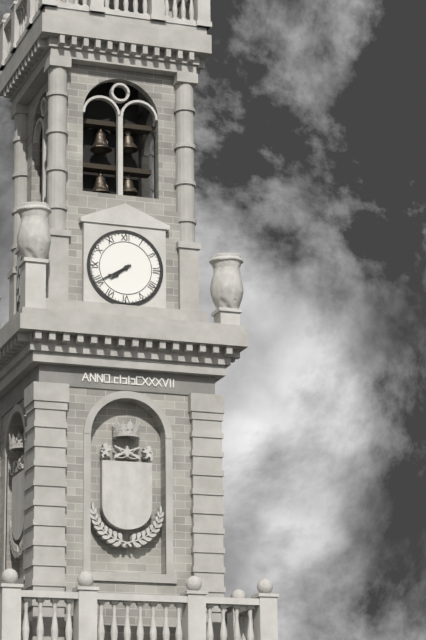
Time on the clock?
7:40
